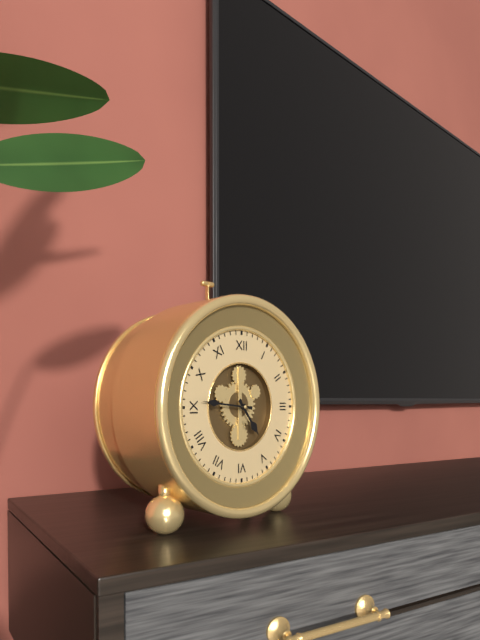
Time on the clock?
4:46
